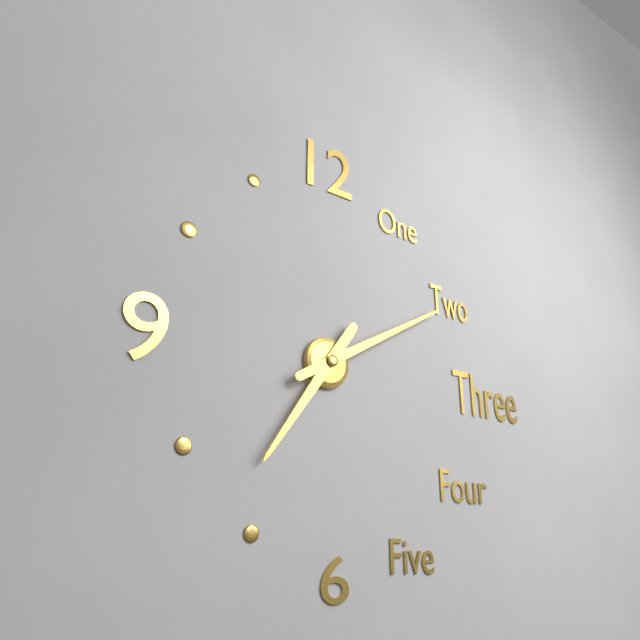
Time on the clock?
7:10
